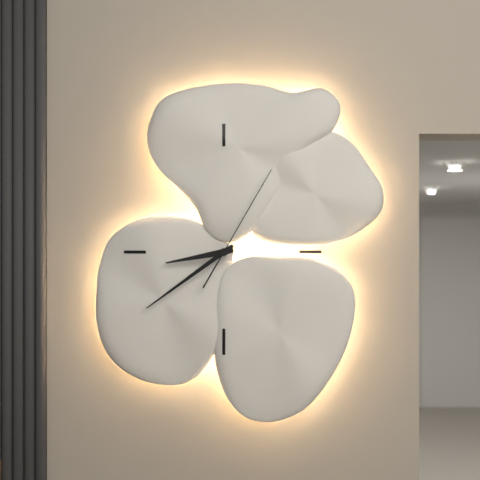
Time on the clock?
8:39:05
